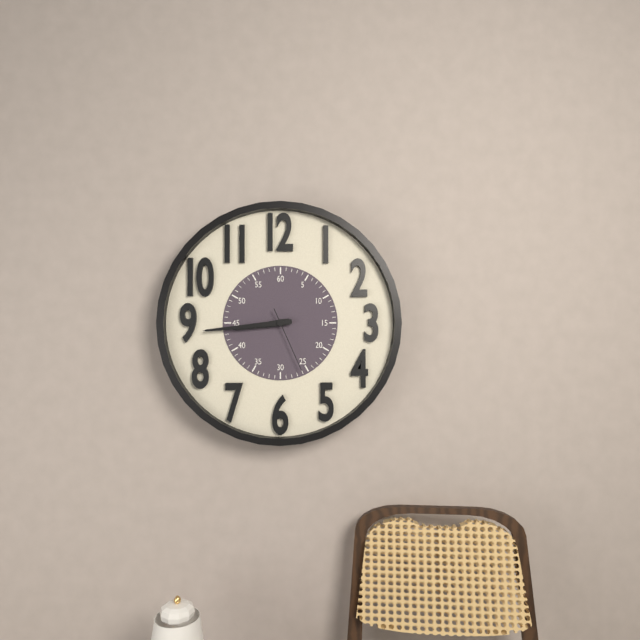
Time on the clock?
8:44:26
